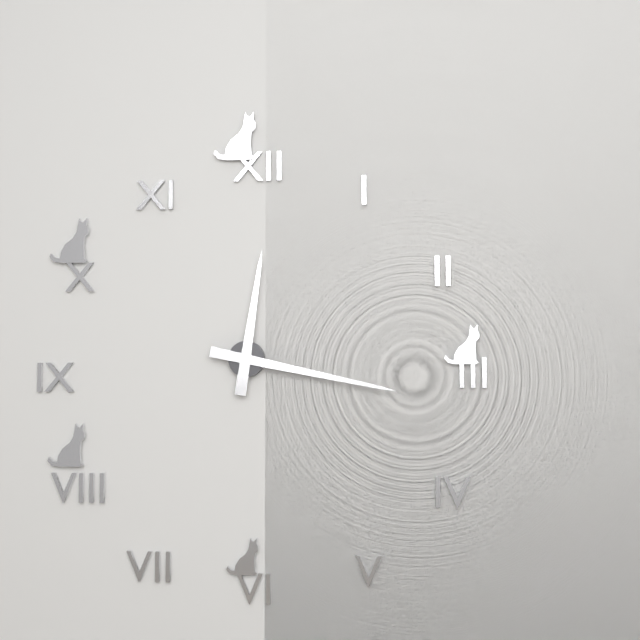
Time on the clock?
12:17
